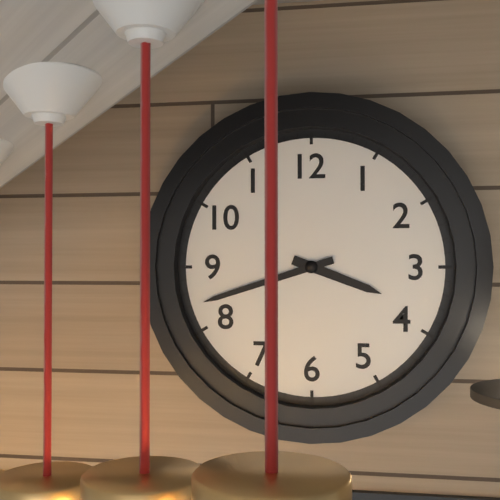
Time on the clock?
3:42
